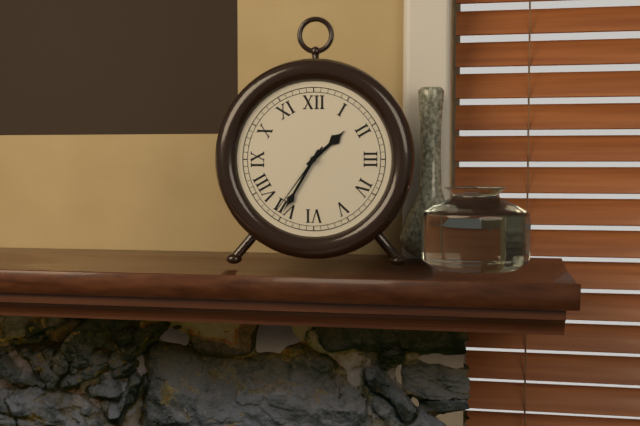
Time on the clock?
1:35:36
